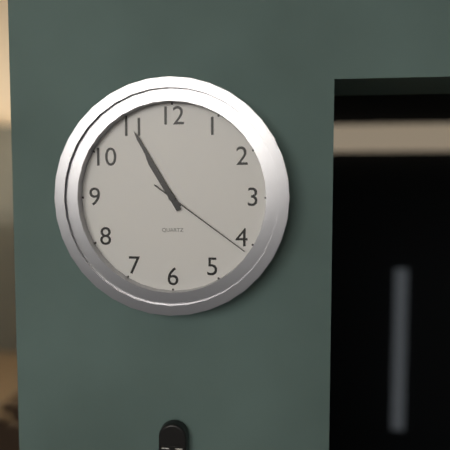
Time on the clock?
10:55:21
